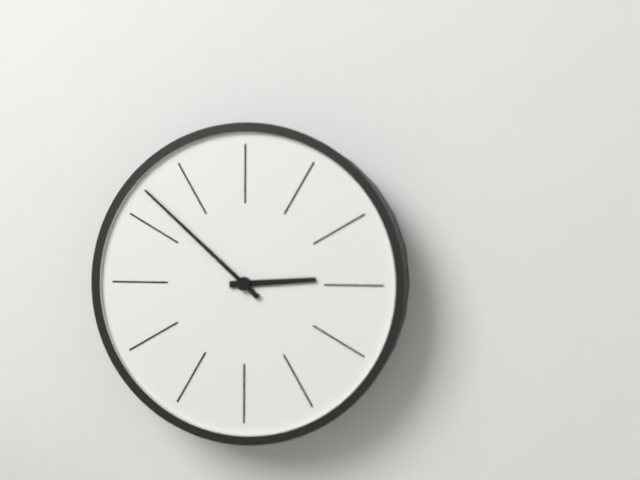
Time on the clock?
2:52
